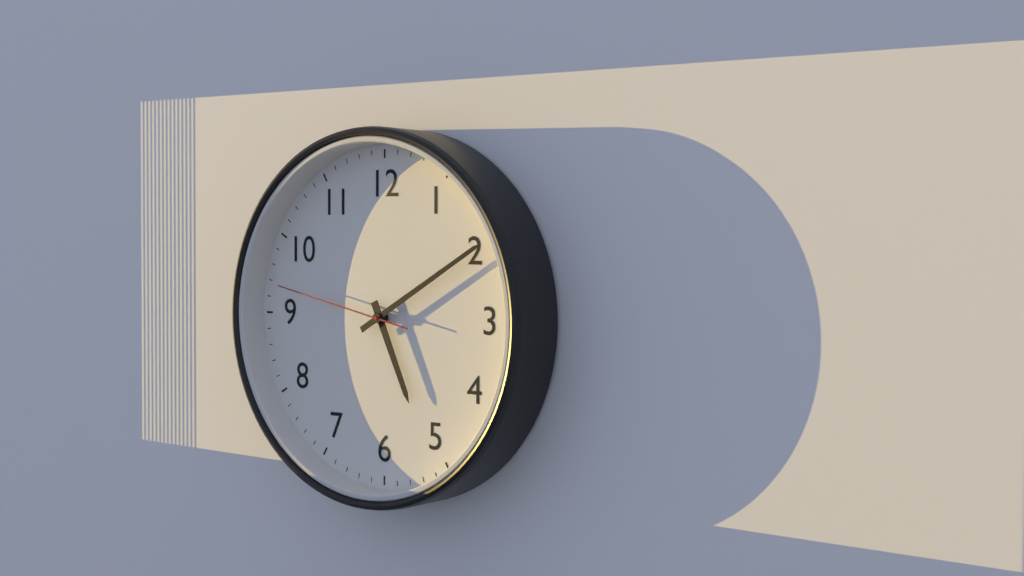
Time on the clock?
5:10:47
